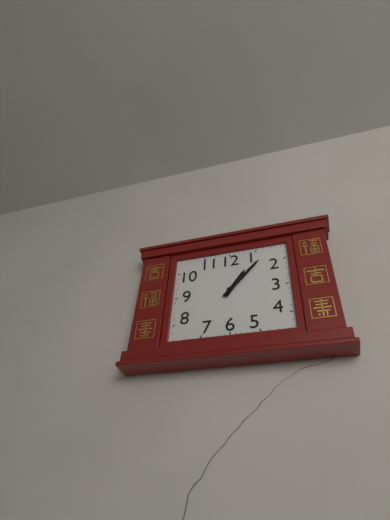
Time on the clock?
1:07
